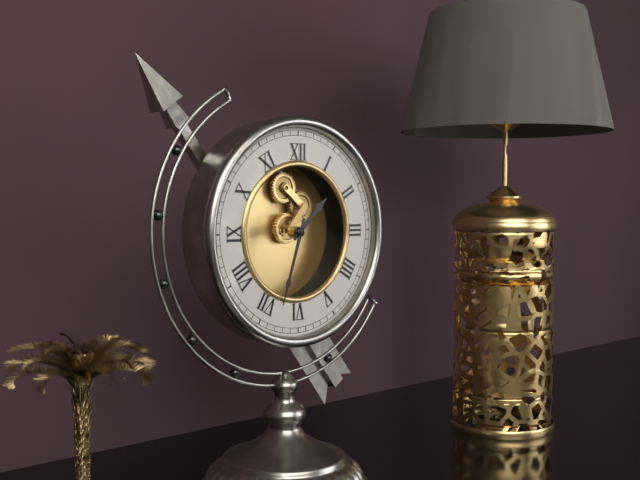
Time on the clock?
1:33
